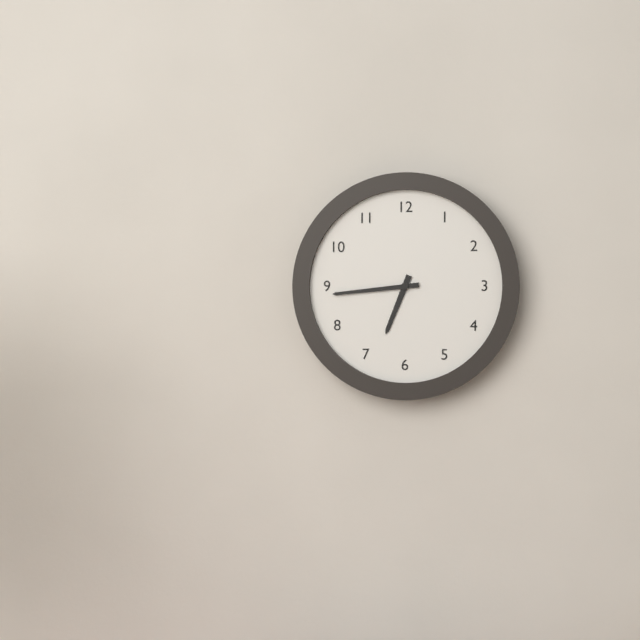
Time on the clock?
6:44
